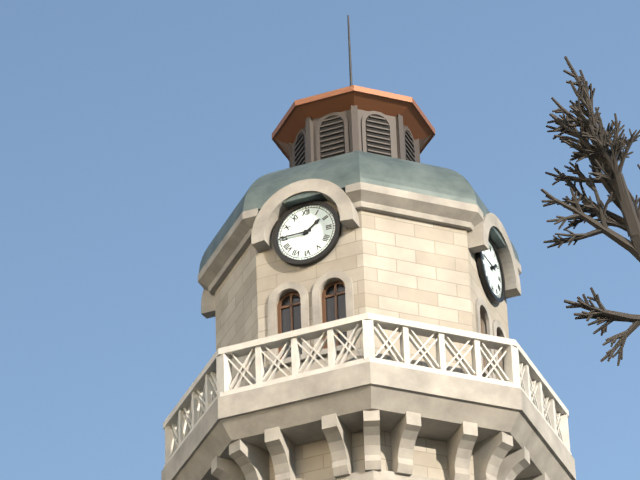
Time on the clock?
1:45
